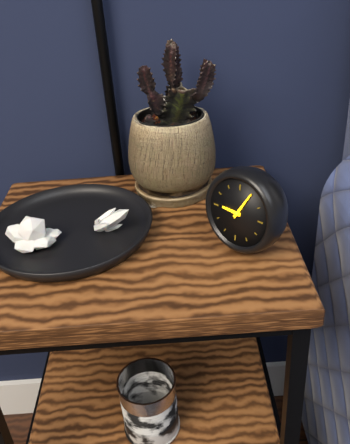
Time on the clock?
9:05
